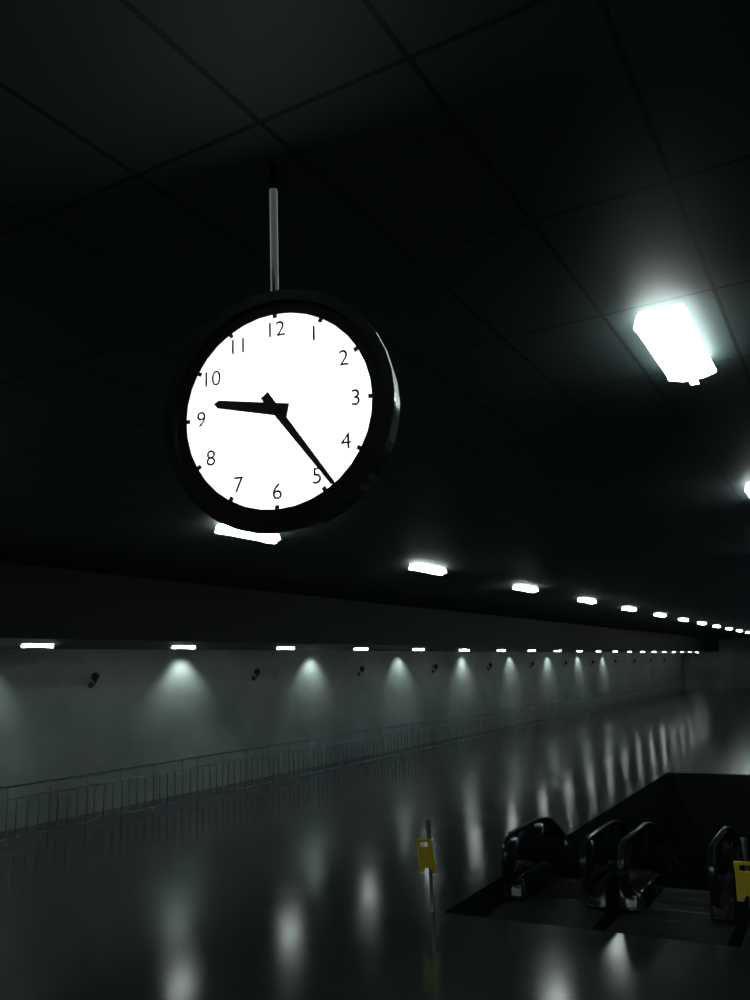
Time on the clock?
9:24
